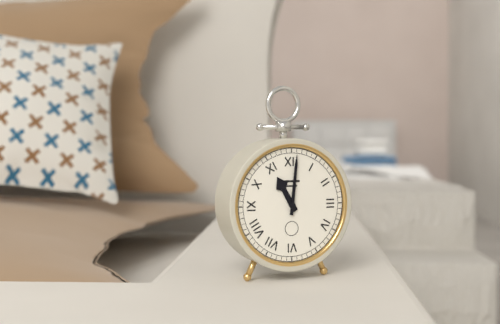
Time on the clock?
11:01
